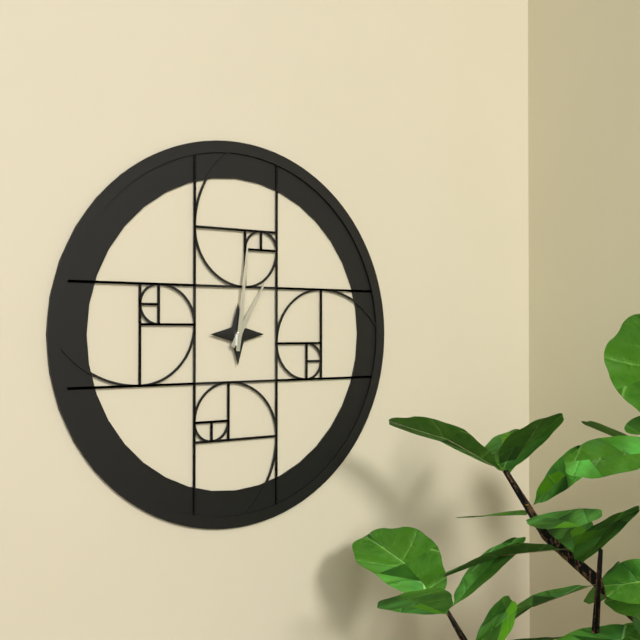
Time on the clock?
1:01
